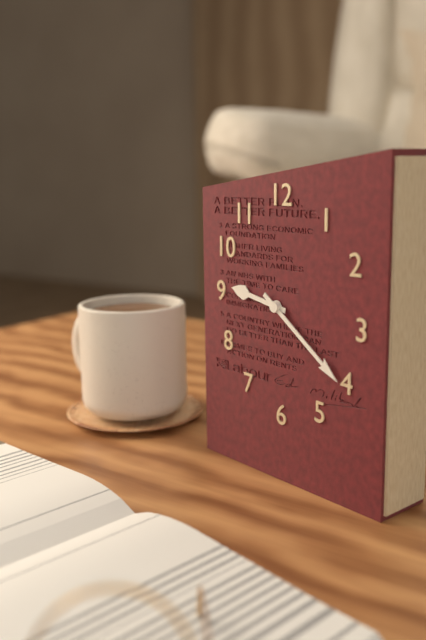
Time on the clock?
9:21
